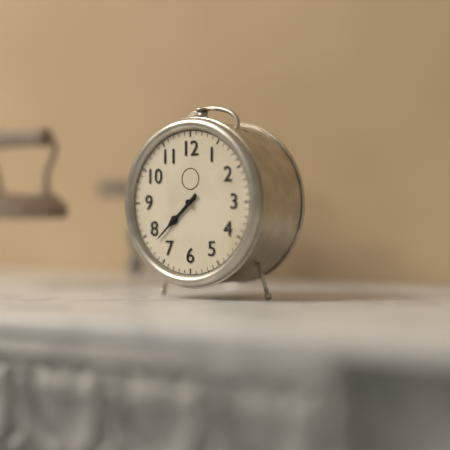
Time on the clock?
7:38
